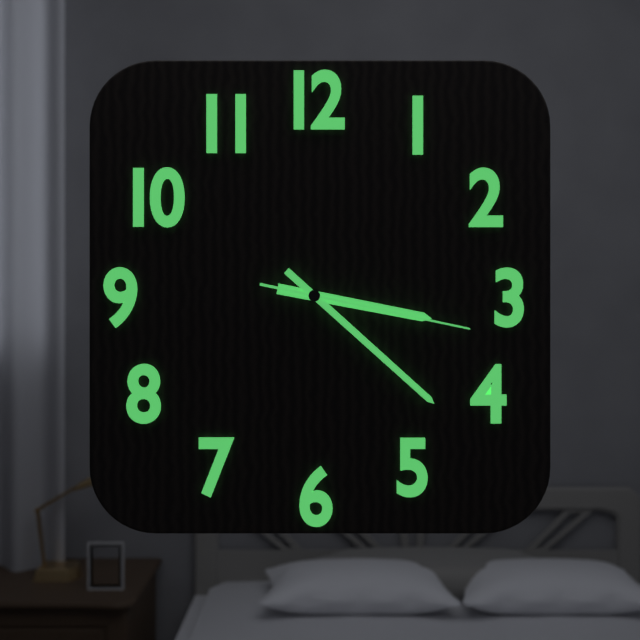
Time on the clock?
3:22:17
